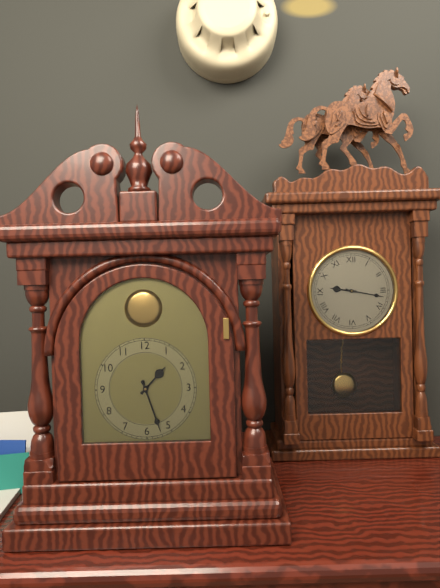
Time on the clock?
1:27
